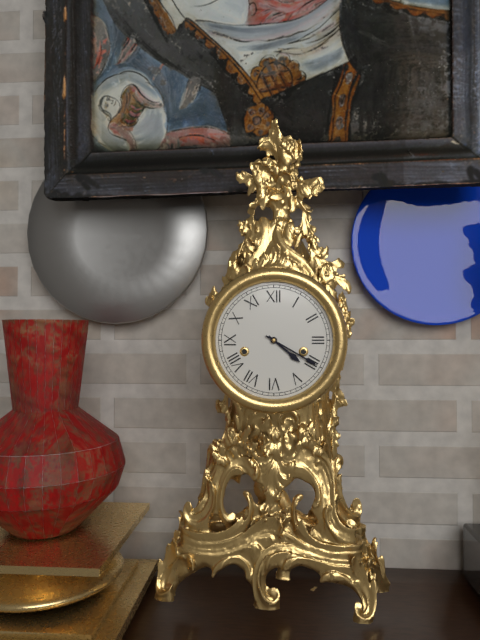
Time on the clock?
4:20
